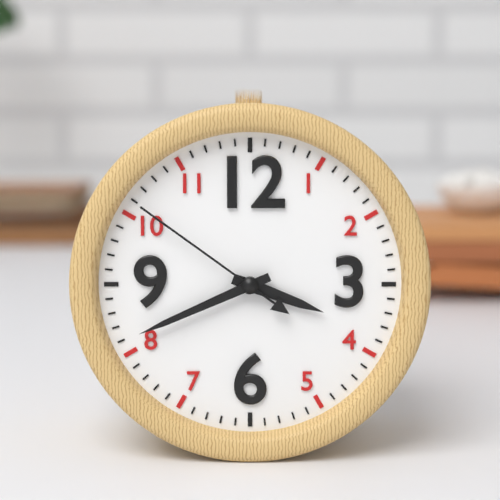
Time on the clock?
3:41:51
